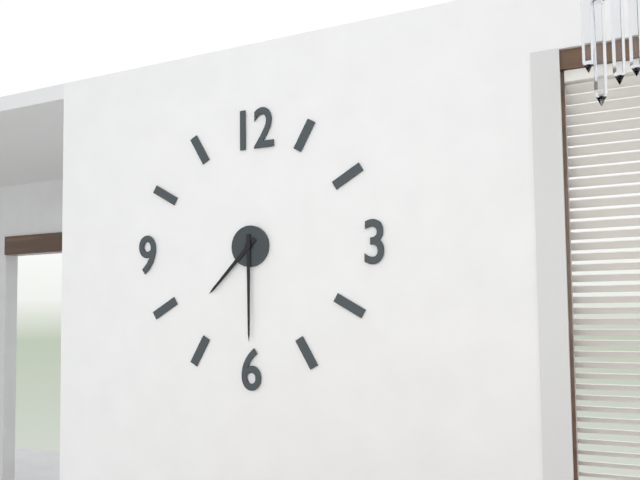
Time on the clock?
7:30
